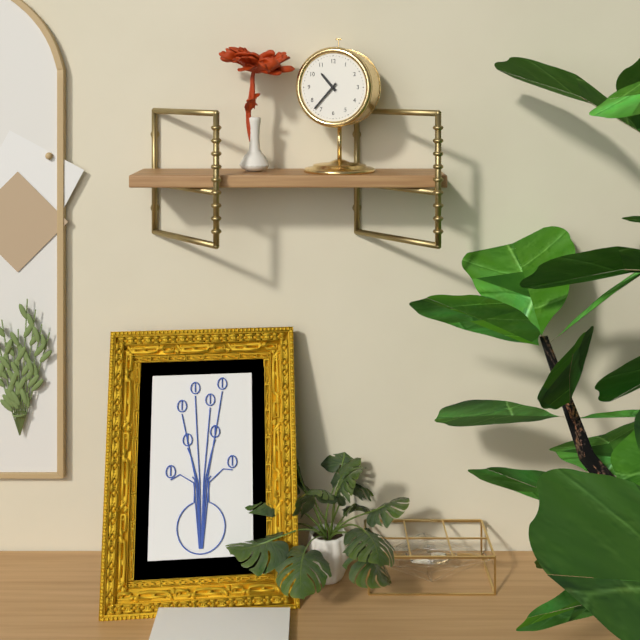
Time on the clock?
10:37
